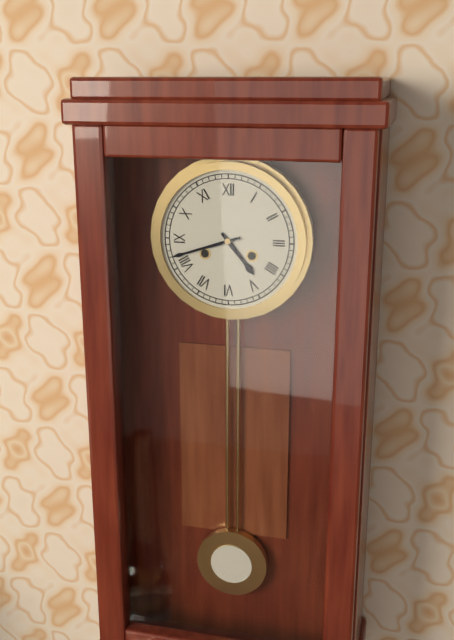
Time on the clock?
4:42
